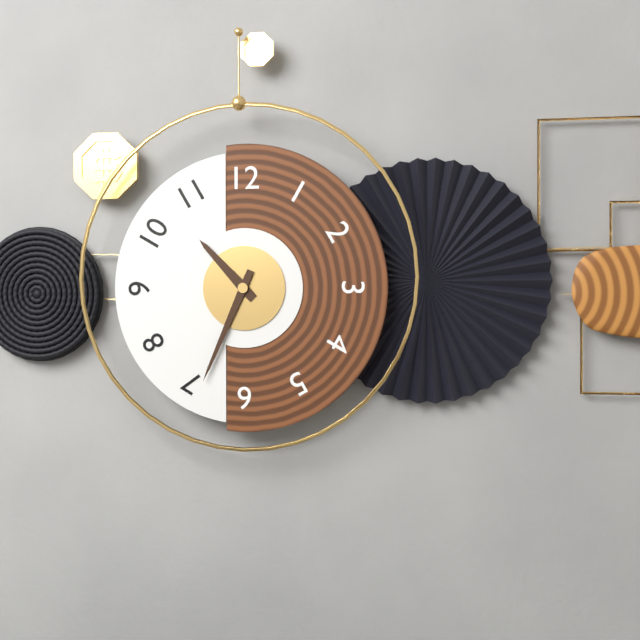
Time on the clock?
10:34
